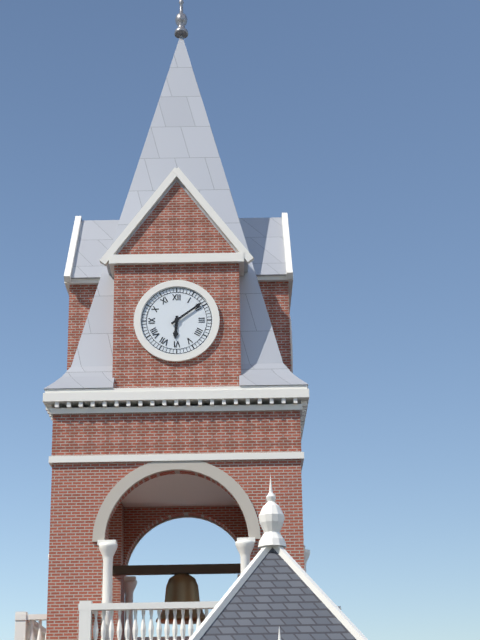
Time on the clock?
6:09
